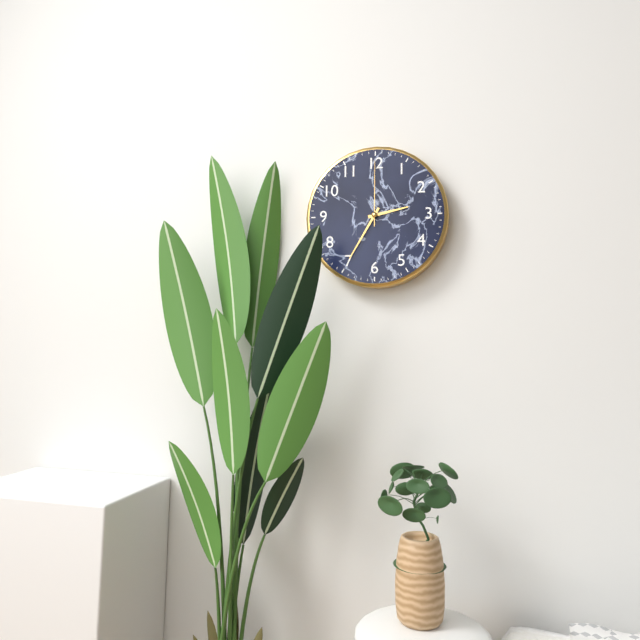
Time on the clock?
2:35:00
